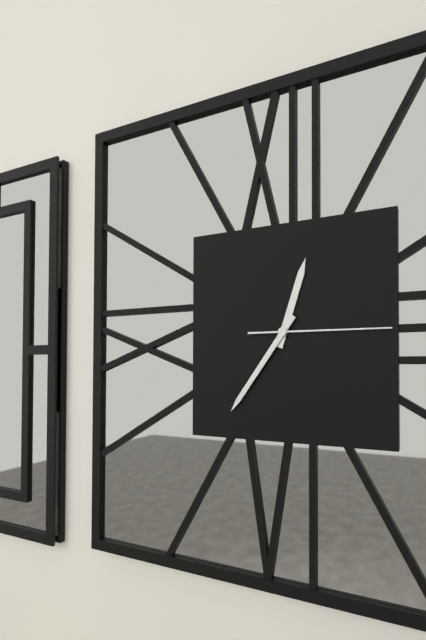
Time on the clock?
12:36:15
